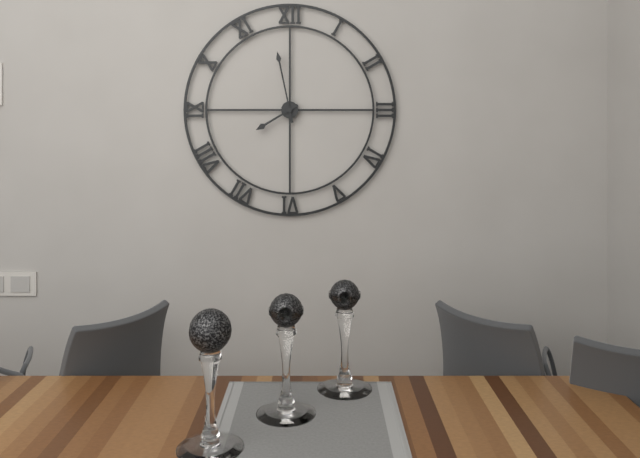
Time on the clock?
7:58
